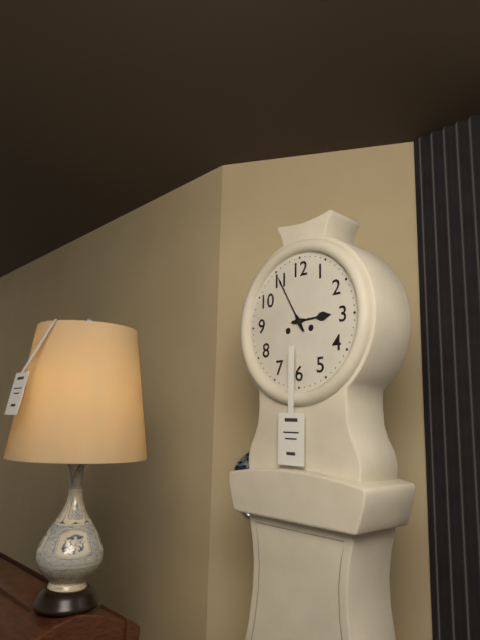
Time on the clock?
2:55
